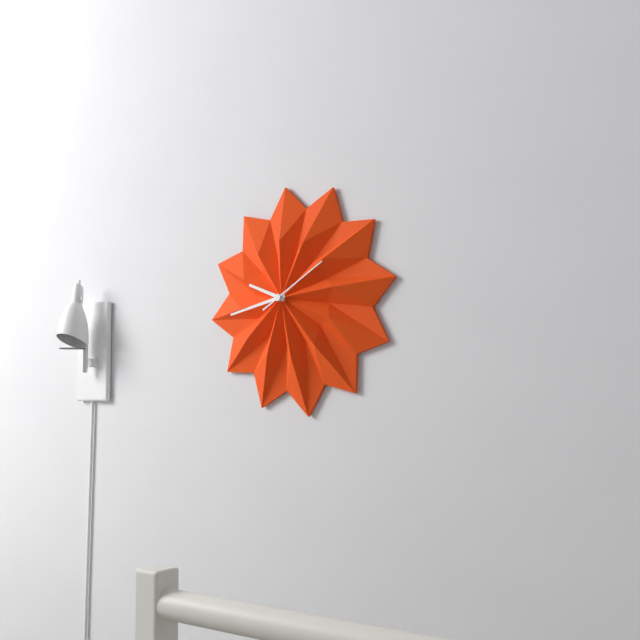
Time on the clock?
9:43:10
